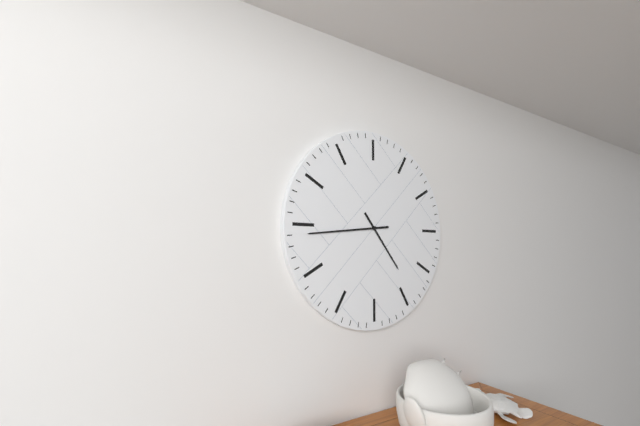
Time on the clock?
4:44
